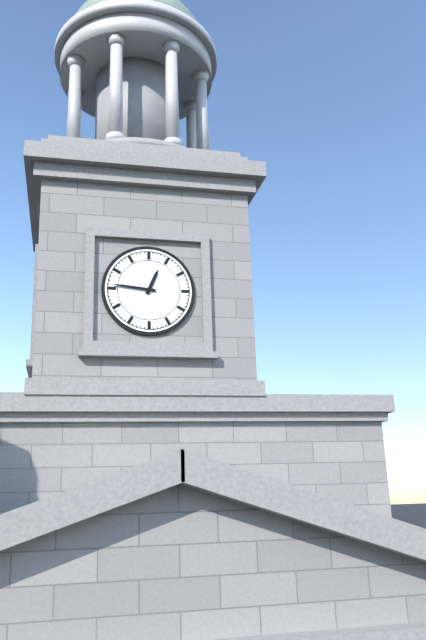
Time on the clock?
12:46
